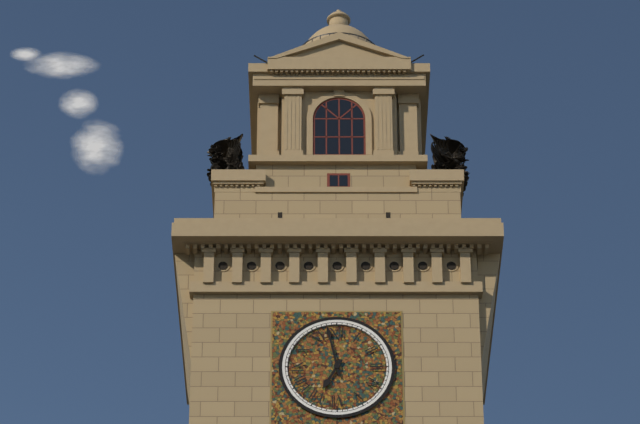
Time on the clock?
6:58
